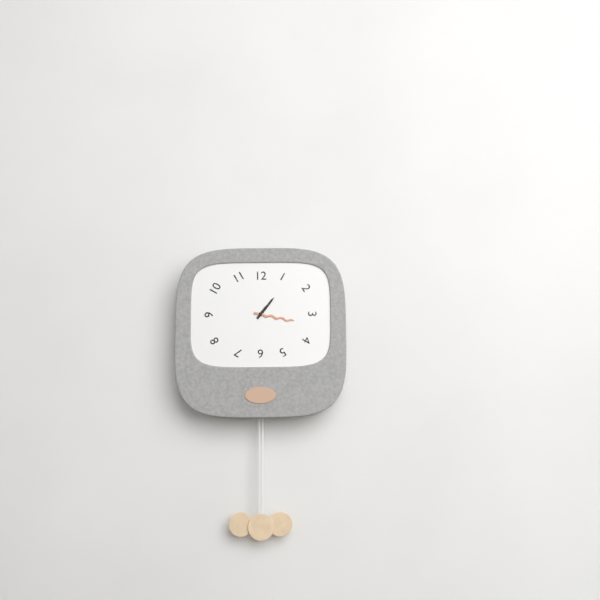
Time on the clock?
1:17
